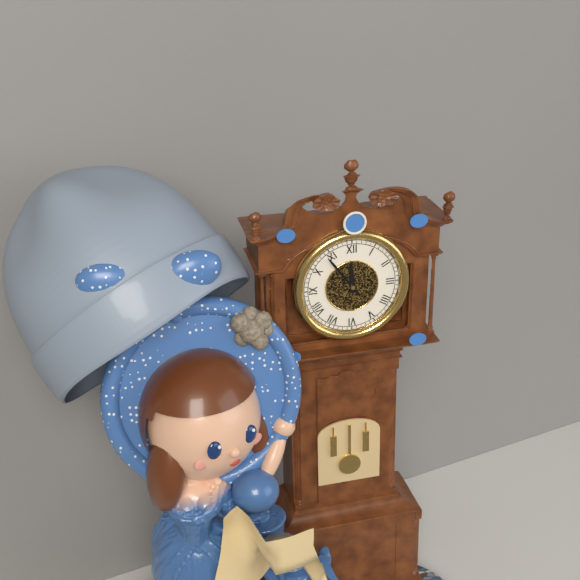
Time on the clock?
11:54
